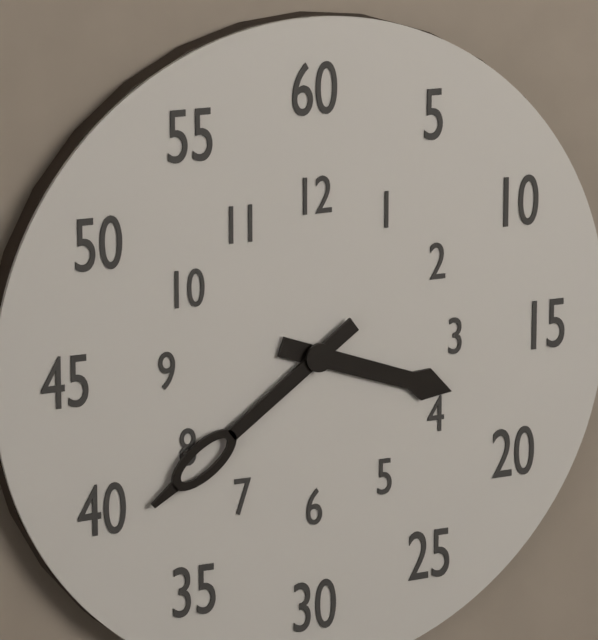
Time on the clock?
3:39
